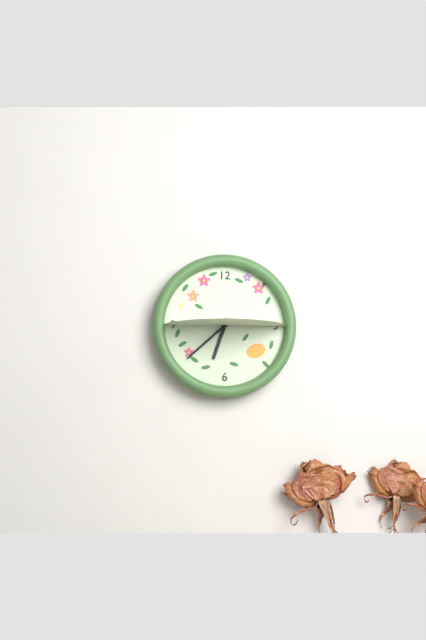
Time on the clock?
6:38
